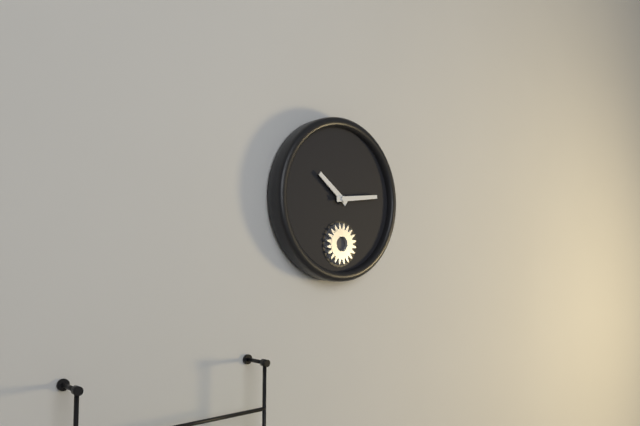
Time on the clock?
10:14
